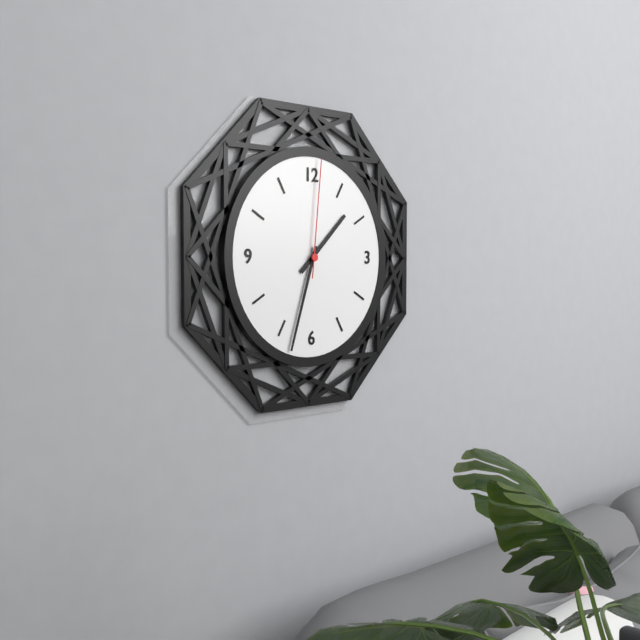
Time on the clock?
1:33:01
